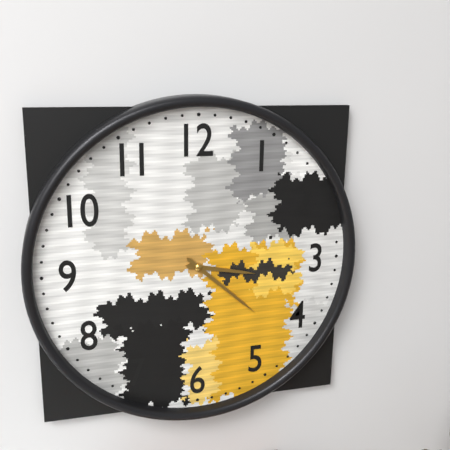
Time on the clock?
3:22
